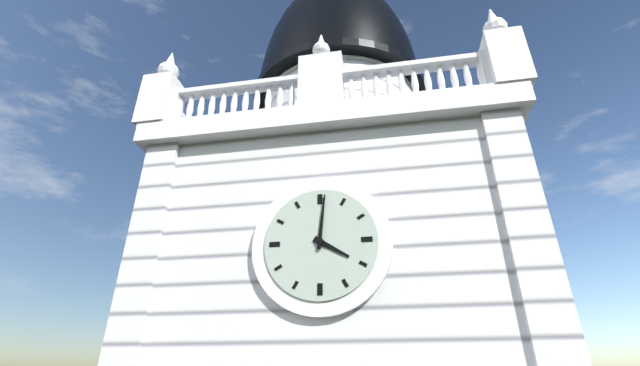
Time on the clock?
4:01
